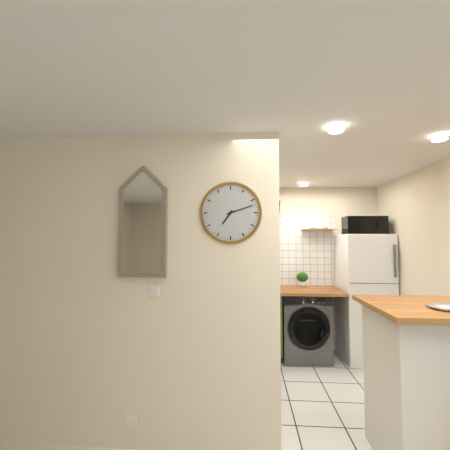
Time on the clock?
7:12
